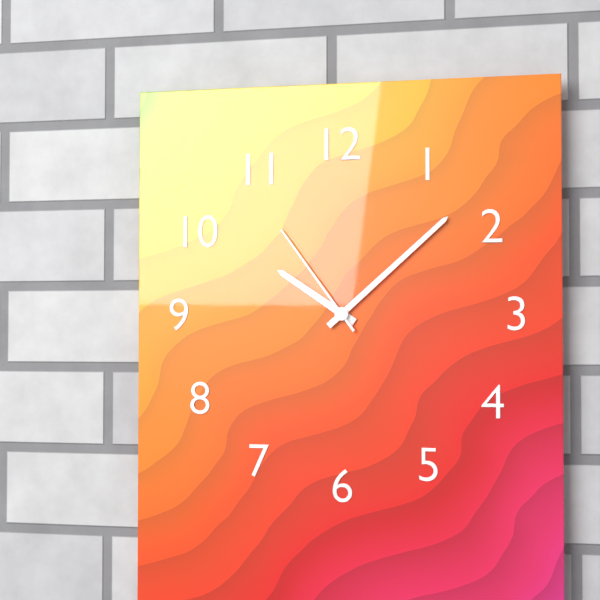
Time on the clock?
10:08:54
